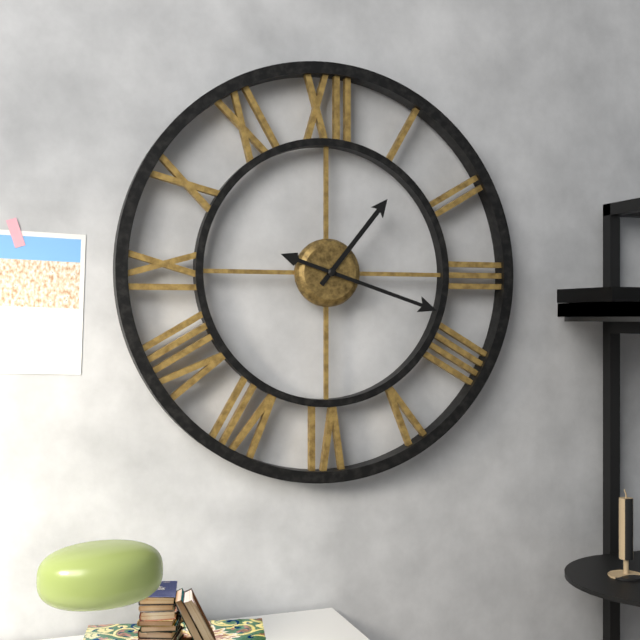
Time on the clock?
1:18
